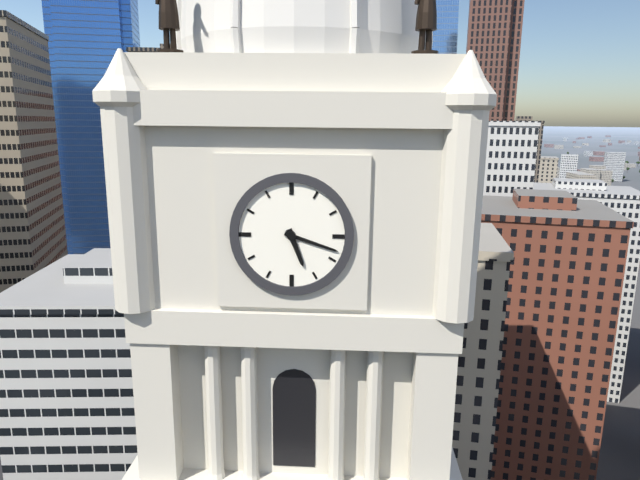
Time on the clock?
5:18
